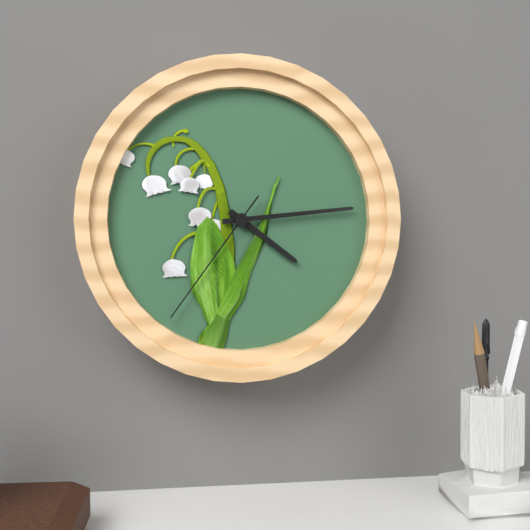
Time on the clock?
4:14:36
